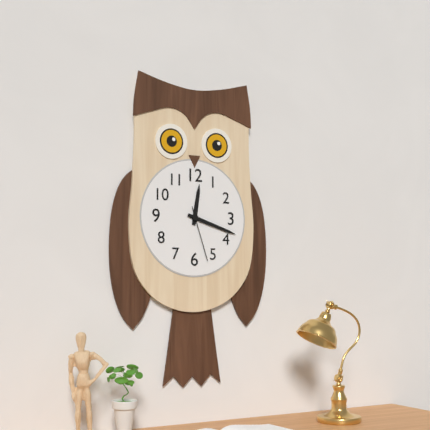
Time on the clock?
12:18:27
